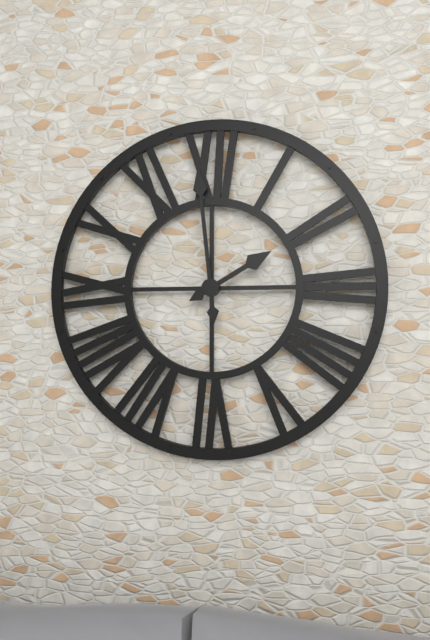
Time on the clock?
1:59
